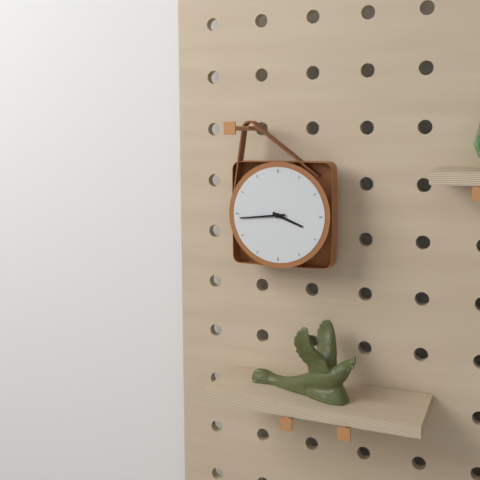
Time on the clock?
3:44
